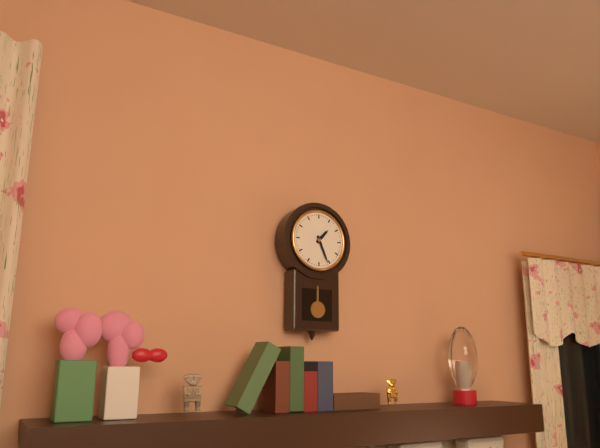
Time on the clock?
1:26
